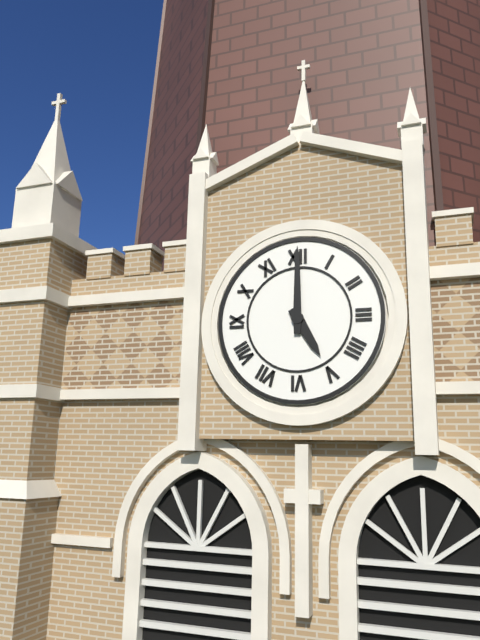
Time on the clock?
5:00
